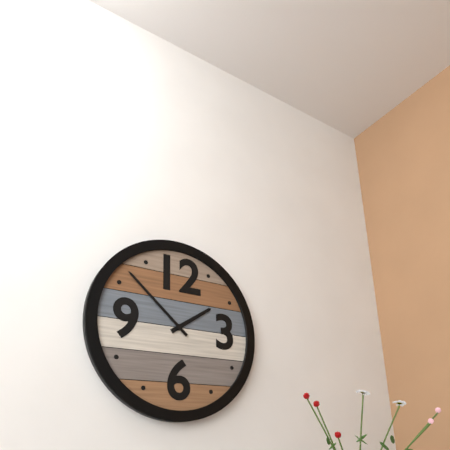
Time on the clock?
1:52
